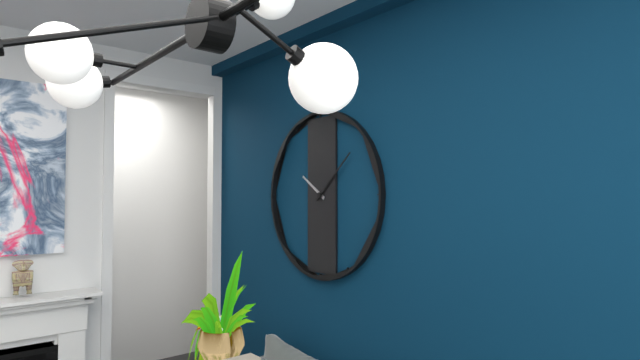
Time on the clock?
10:08
